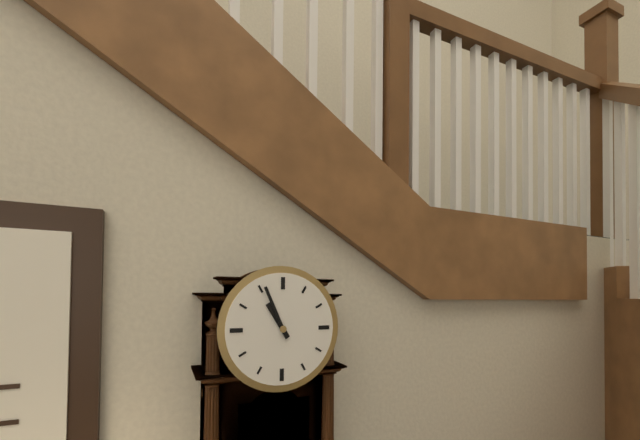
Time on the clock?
10:56
